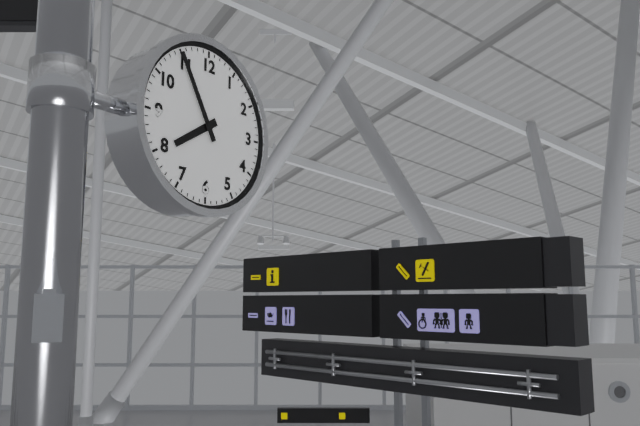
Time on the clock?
7:55
